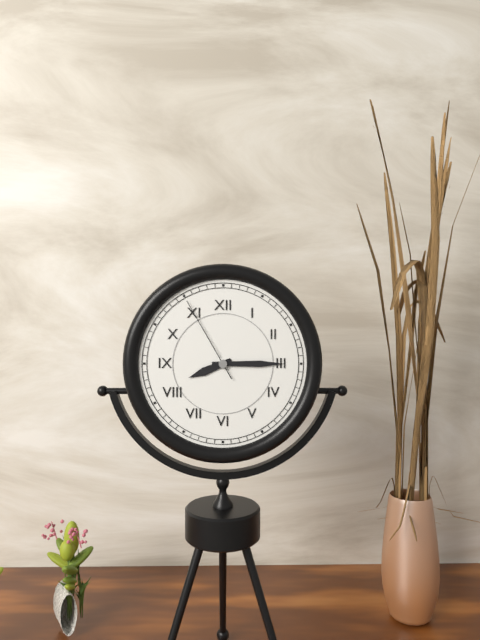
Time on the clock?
8:15:55
